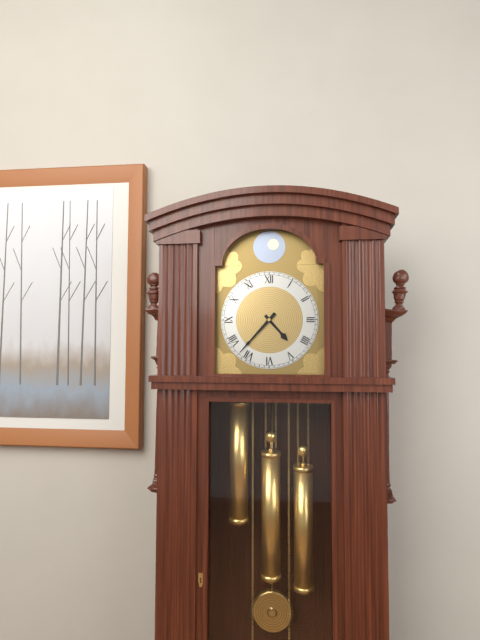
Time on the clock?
4:37
